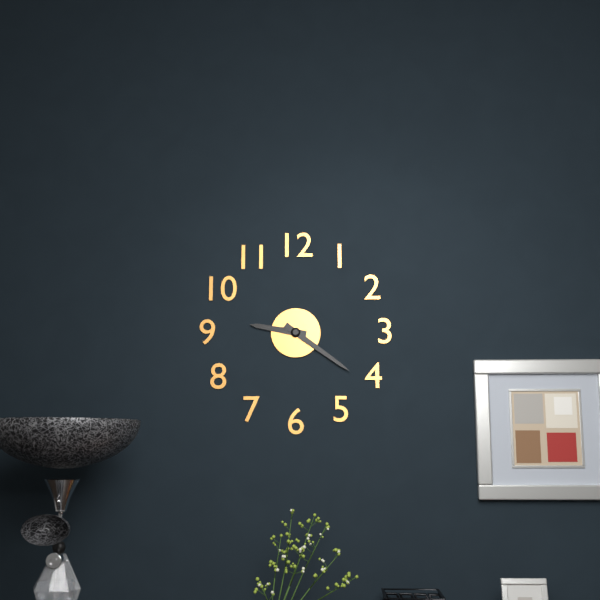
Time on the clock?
9:21
